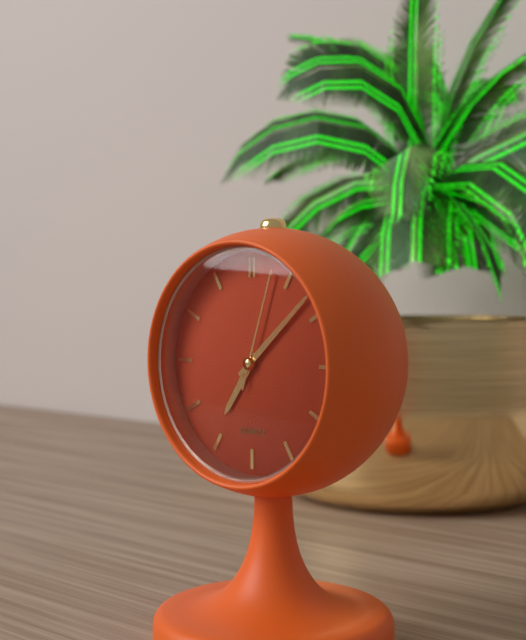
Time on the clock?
7:08:03
